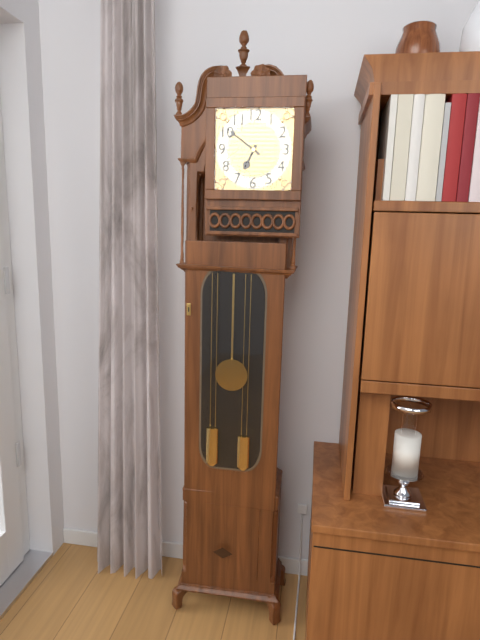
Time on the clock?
6:51
